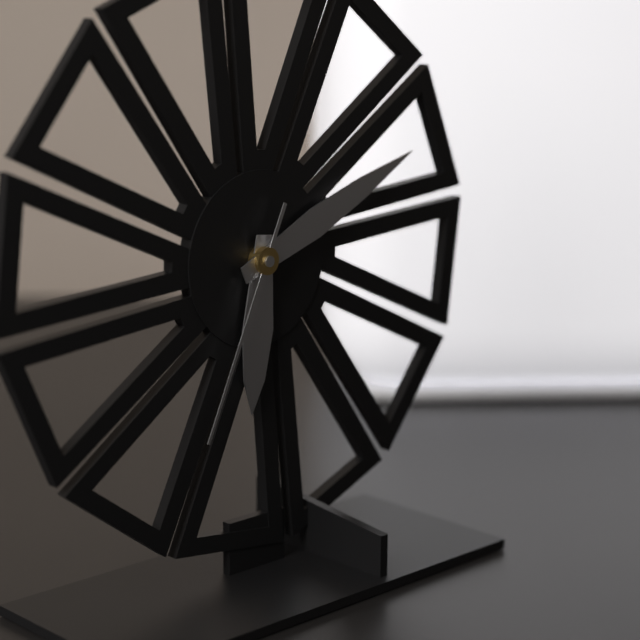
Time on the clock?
6:11:34
